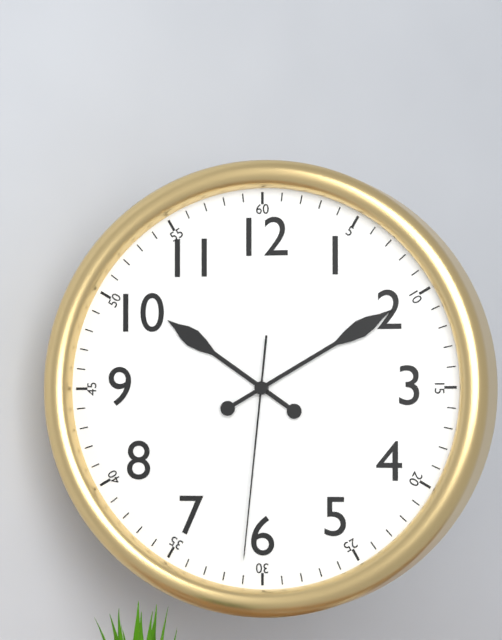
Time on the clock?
10:10:31
